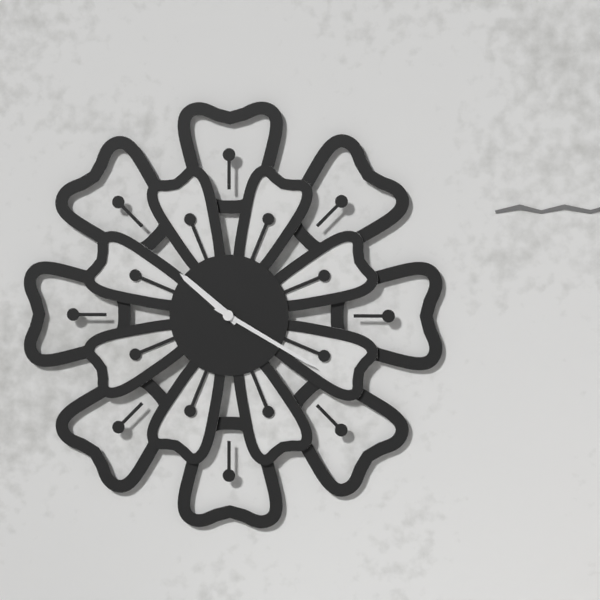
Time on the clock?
10:20
